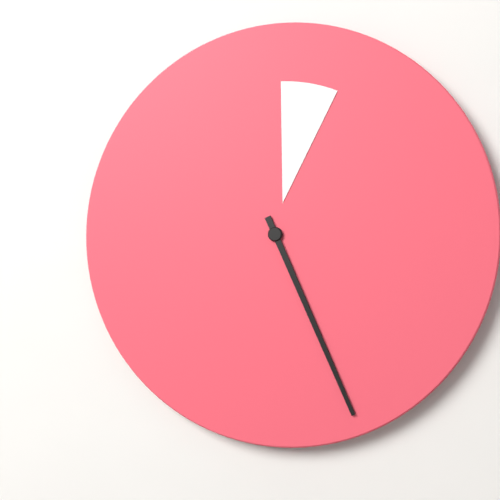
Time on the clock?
12:26
